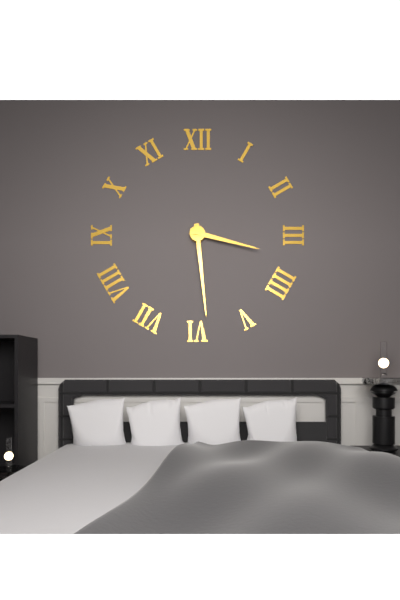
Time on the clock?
3:29
